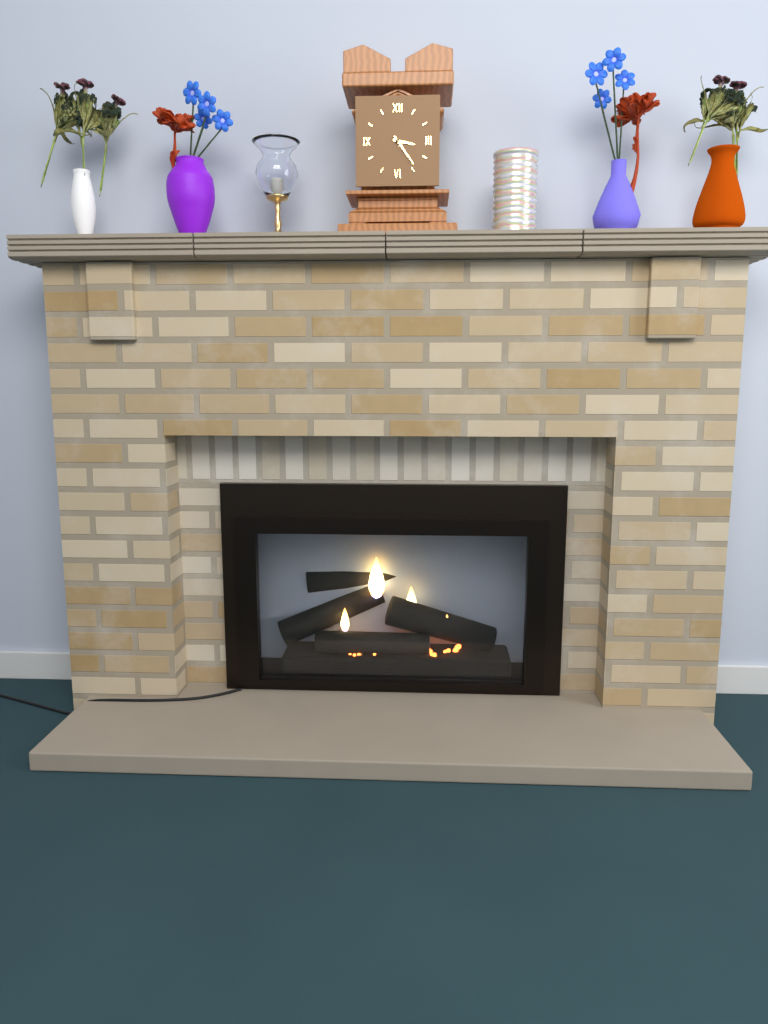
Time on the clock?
3:24
